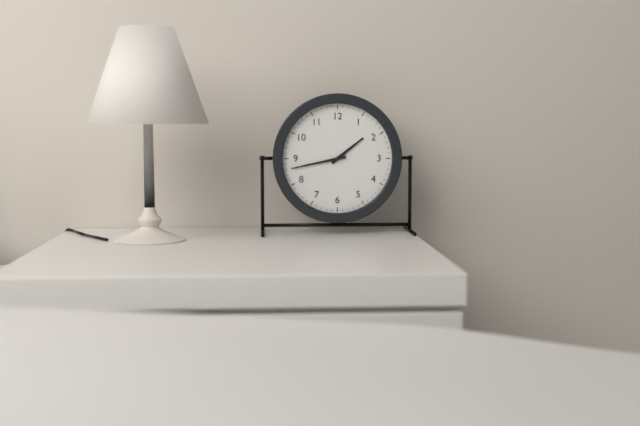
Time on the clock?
1:43
